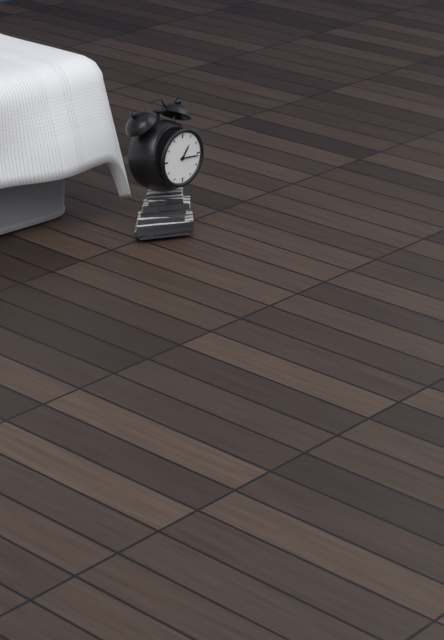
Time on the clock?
1:16
